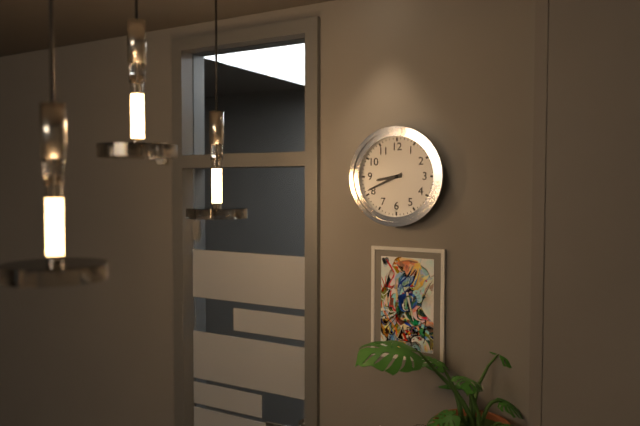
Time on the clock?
8:41
